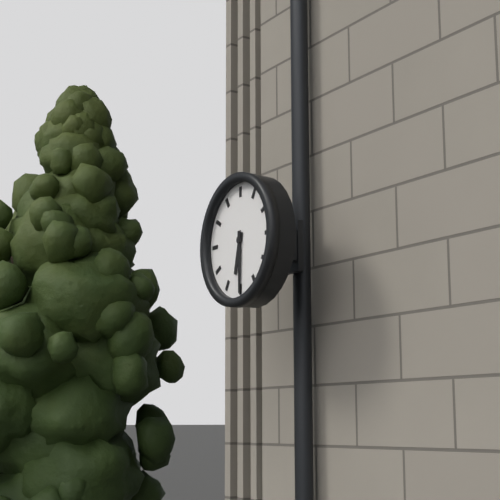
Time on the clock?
6:30
